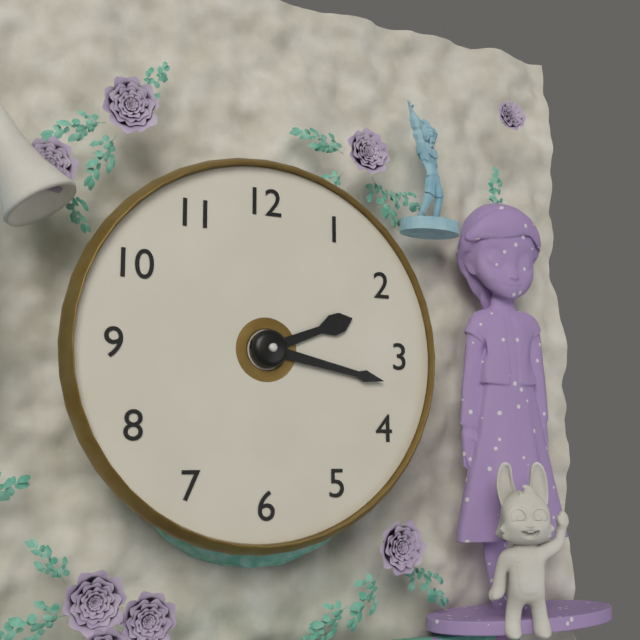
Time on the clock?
2:17
